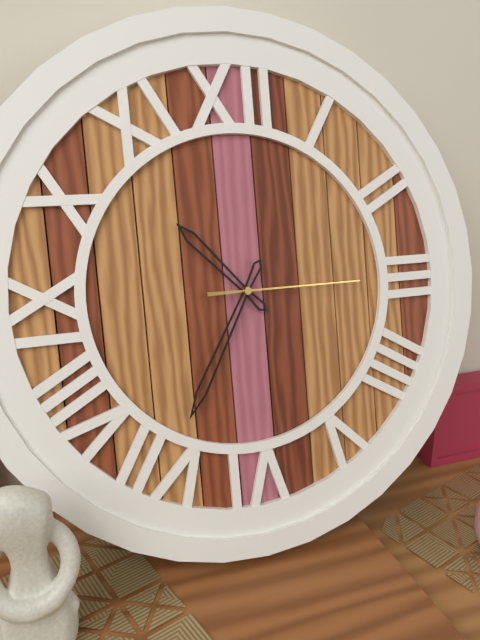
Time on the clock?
10:35:15
